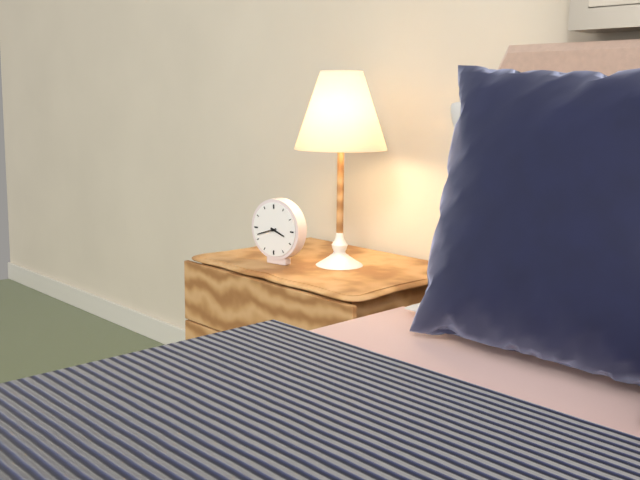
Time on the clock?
3:42
